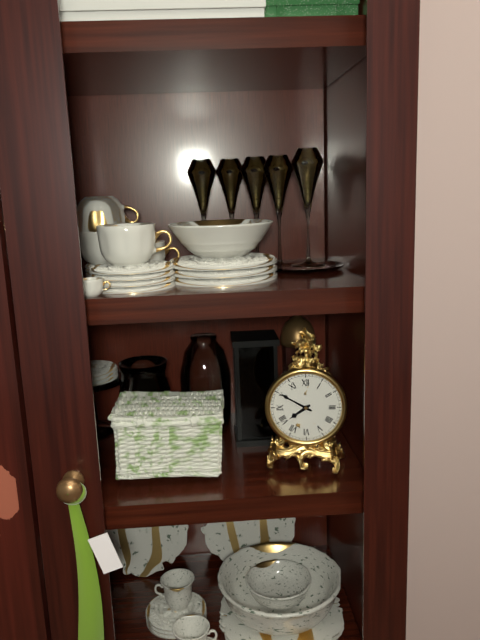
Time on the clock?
7:50
